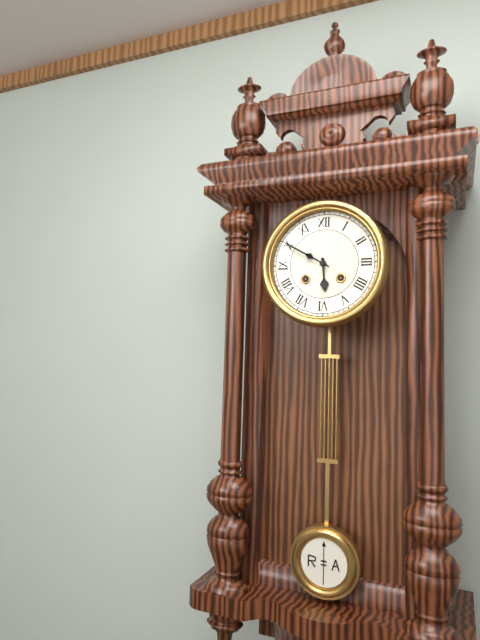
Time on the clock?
5:50
